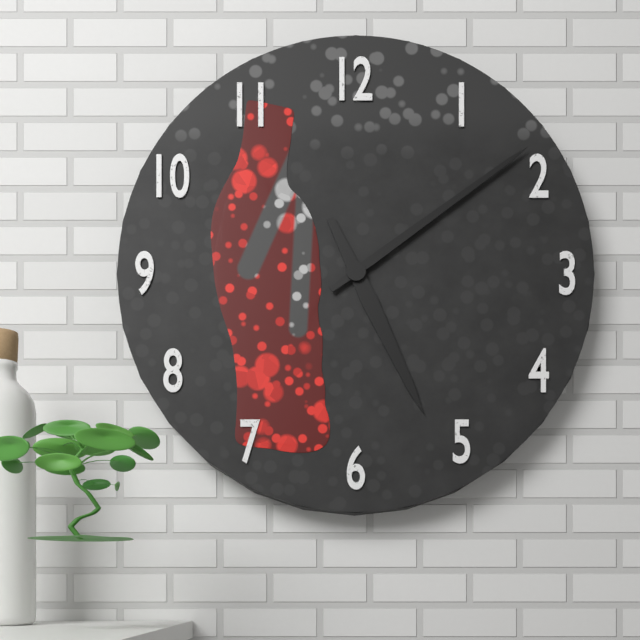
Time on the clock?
5:09
